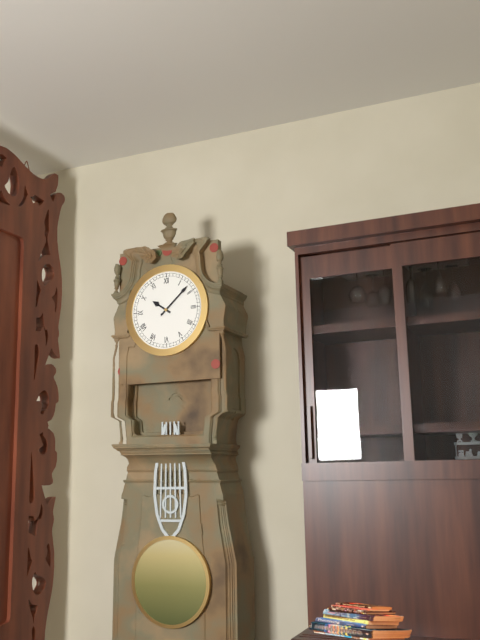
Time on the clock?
10:08
